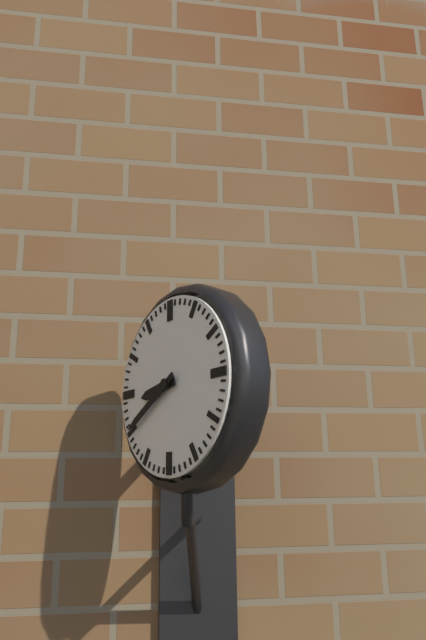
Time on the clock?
8:40
